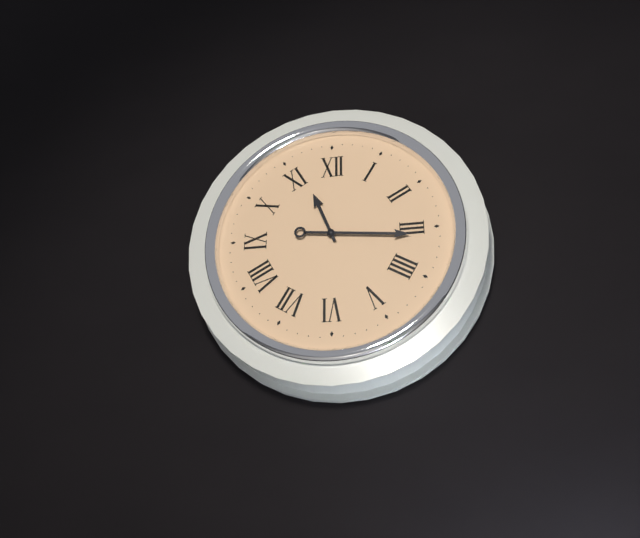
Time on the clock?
11:16
